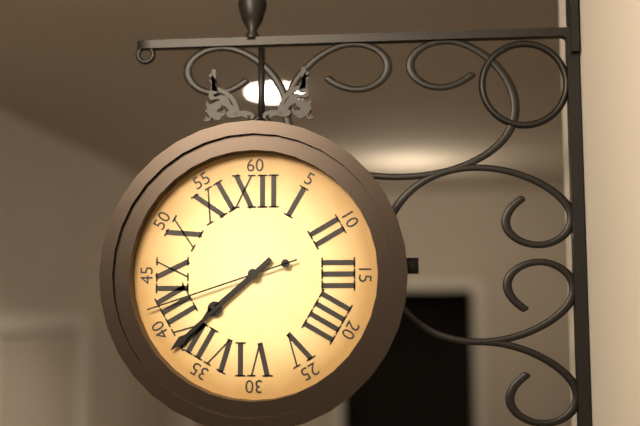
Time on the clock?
7:38:42
